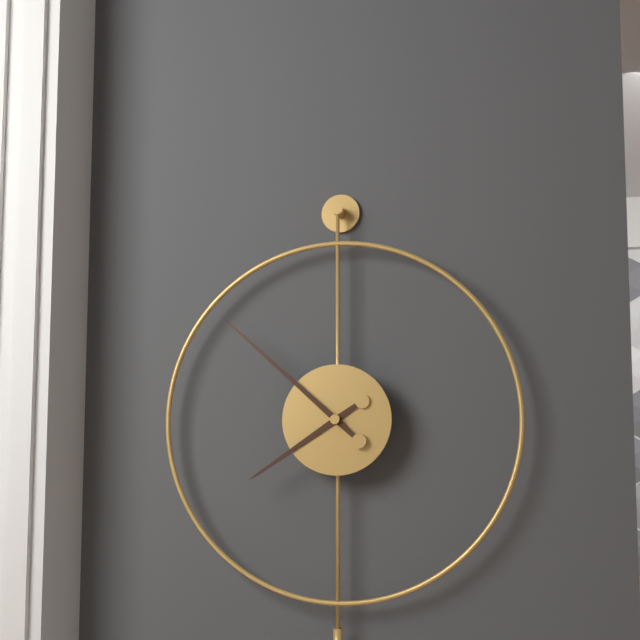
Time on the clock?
7:52
